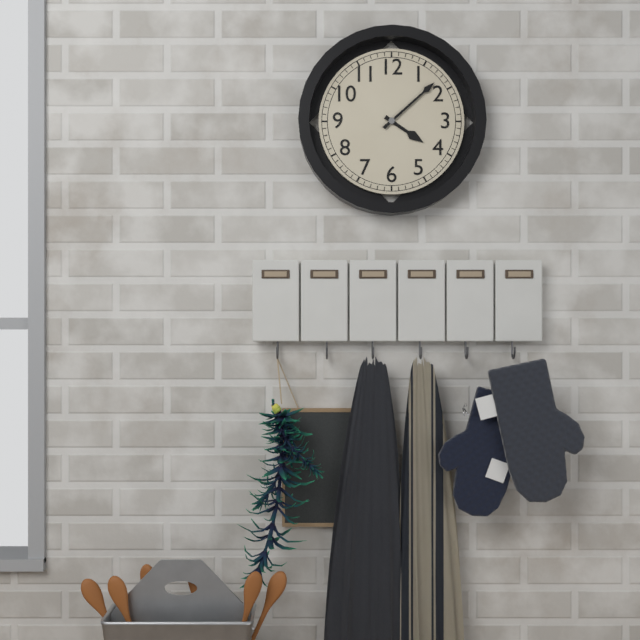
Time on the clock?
4:08
